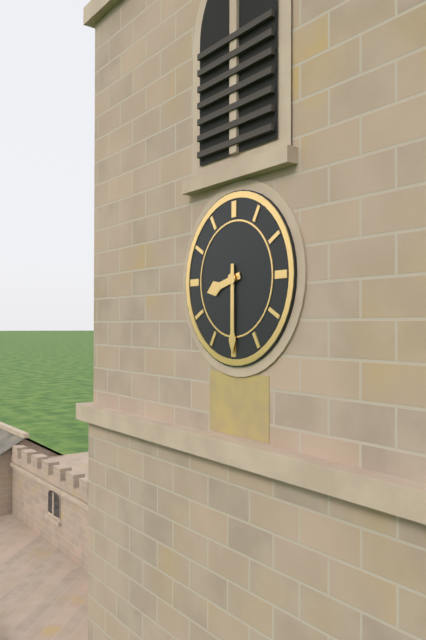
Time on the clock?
8:30
